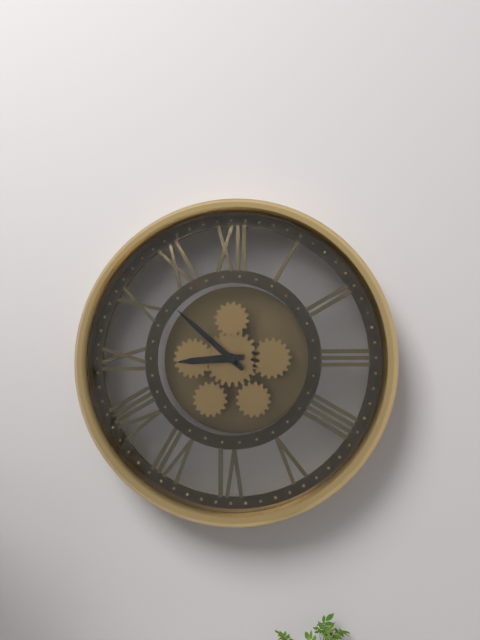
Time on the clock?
8:52
